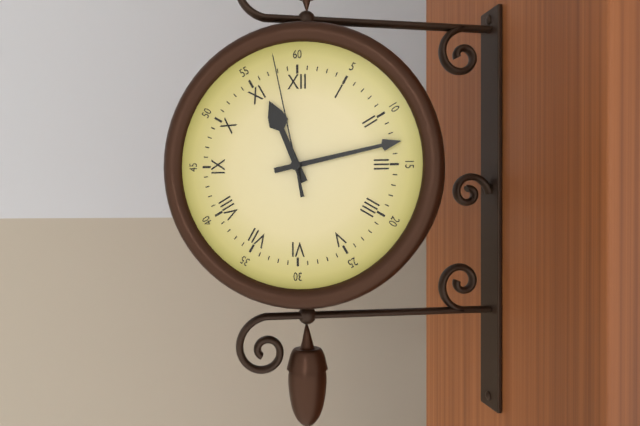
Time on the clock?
11:13:58
